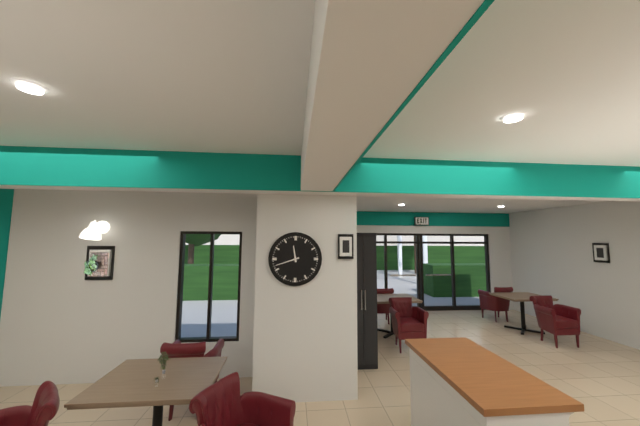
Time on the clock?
11:42
